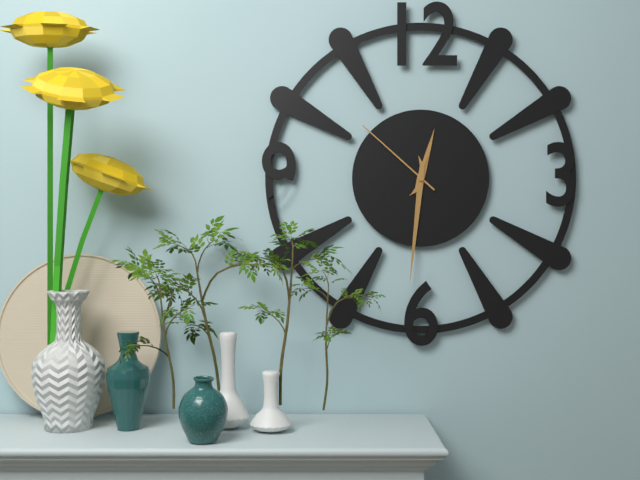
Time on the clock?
12:31:52
